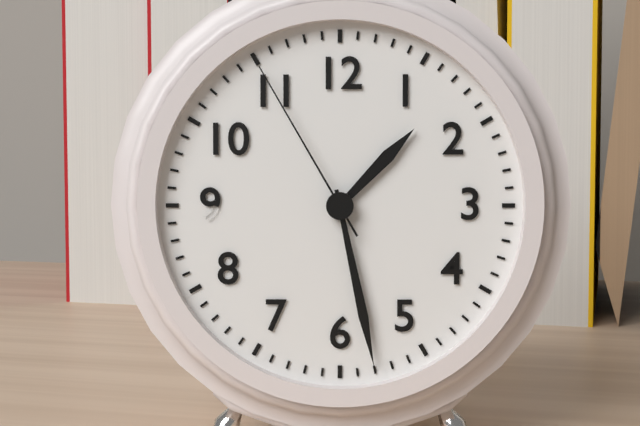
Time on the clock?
1:28:55
